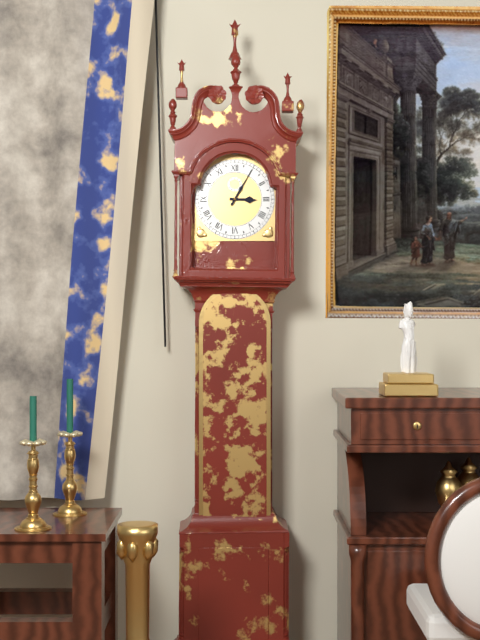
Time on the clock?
3:05
